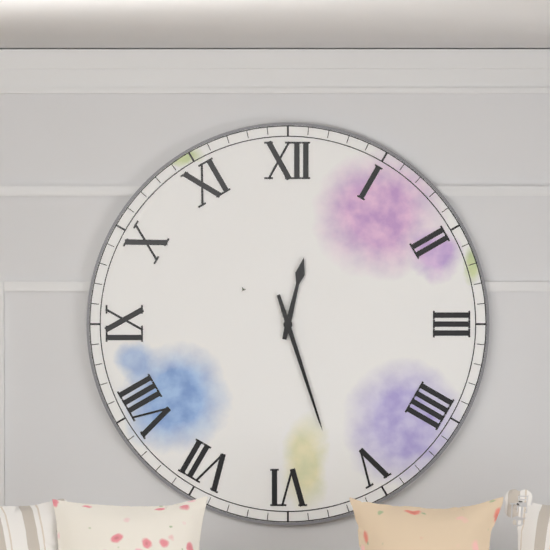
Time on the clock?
12:27
